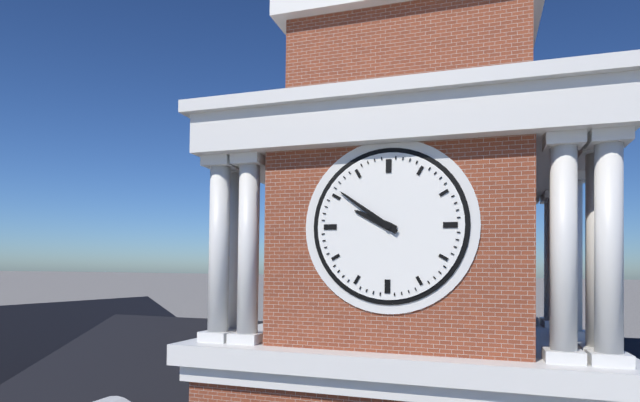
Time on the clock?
9:51
